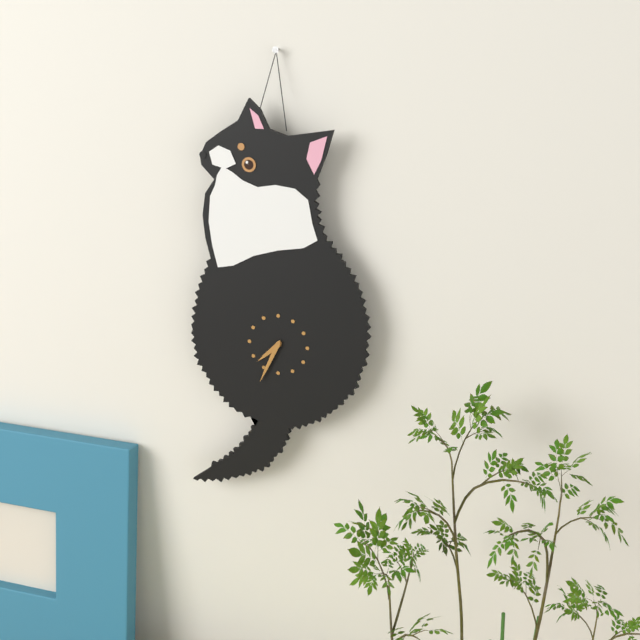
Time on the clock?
7:34
